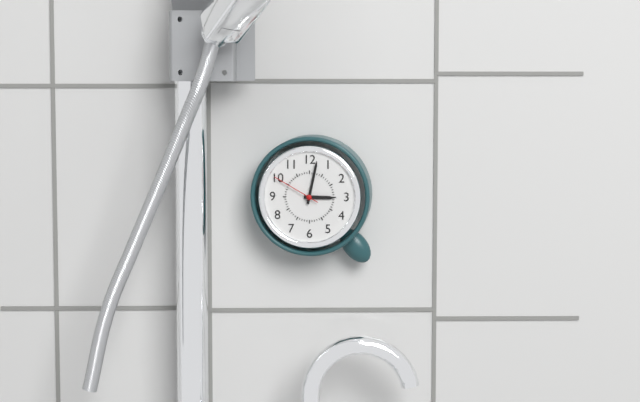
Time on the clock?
3:02:50
